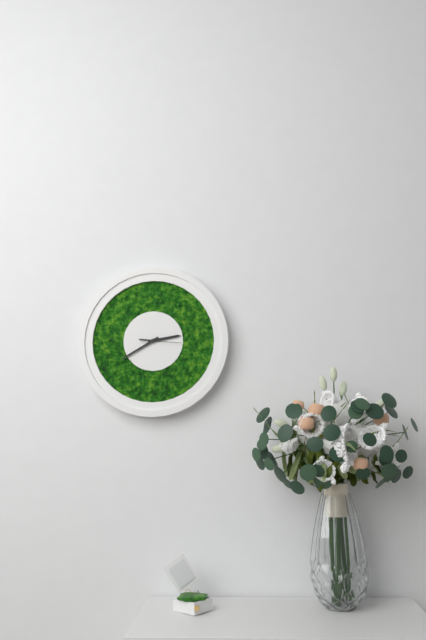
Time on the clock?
2:40
